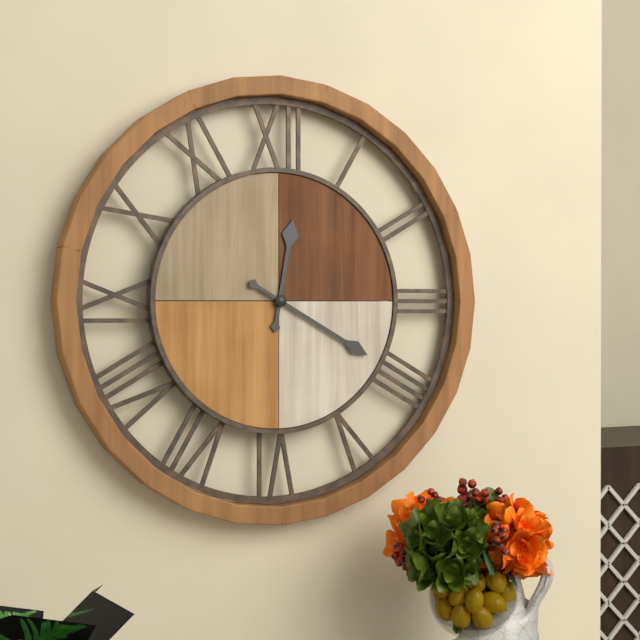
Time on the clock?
12:20
